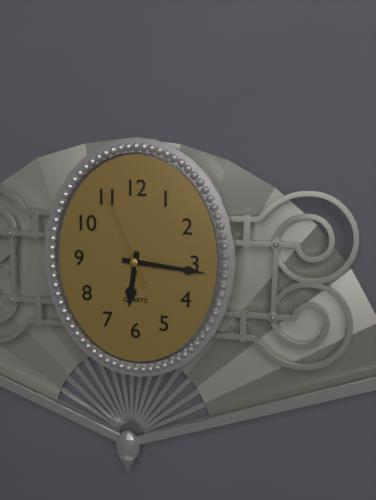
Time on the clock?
6:16:56
